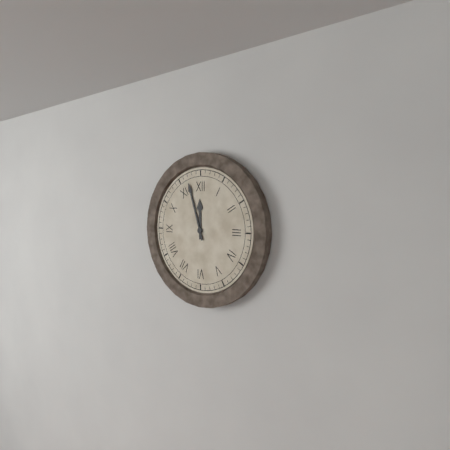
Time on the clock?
11:57
